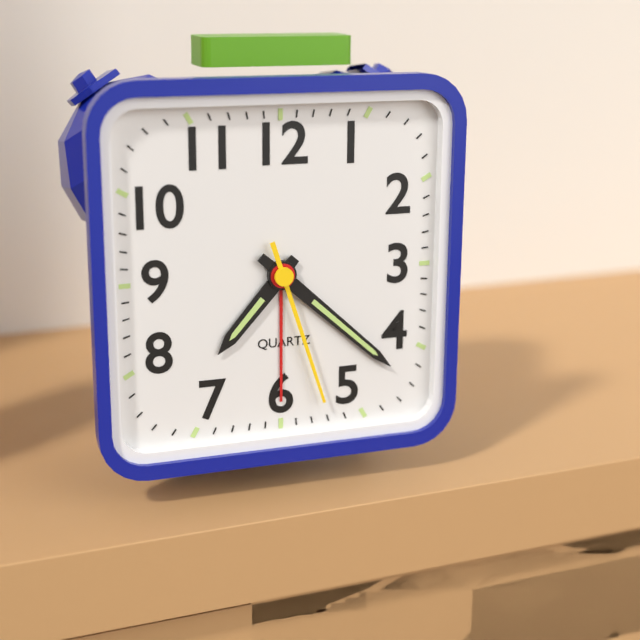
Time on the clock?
7:22:27
